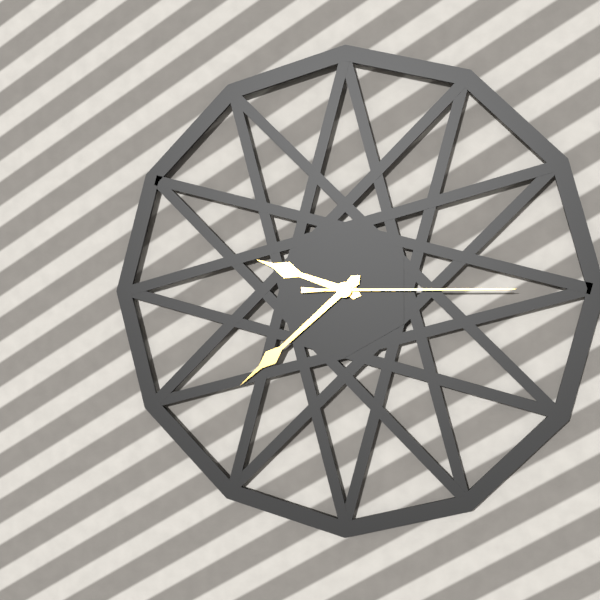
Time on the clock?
9:38:15
